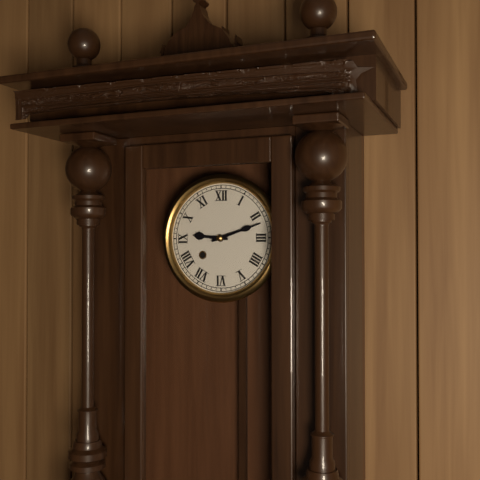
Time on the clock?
9:12
